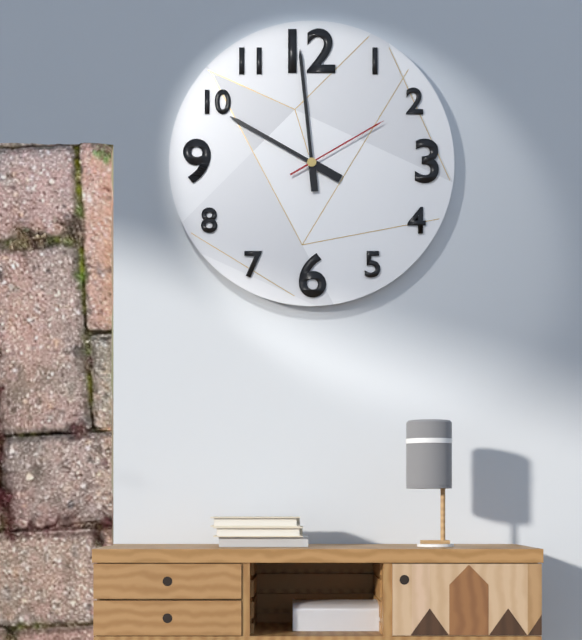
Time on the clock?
9:59:10
